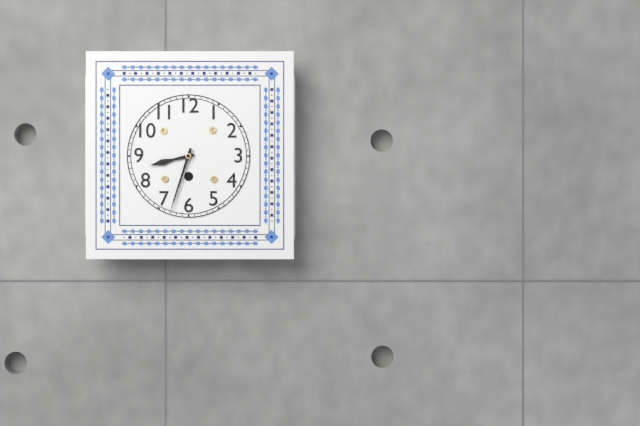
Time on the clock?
8:33
